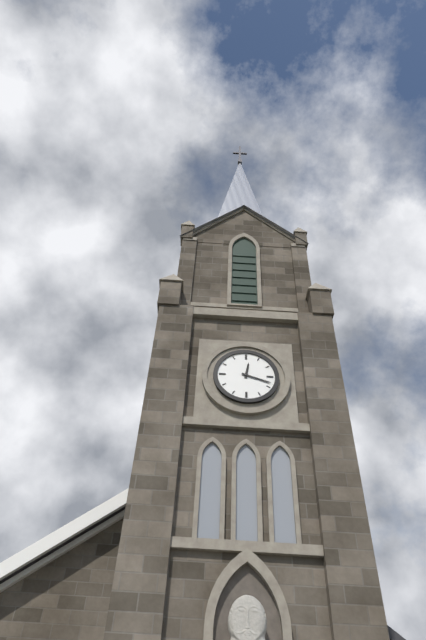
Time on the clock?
12:18
